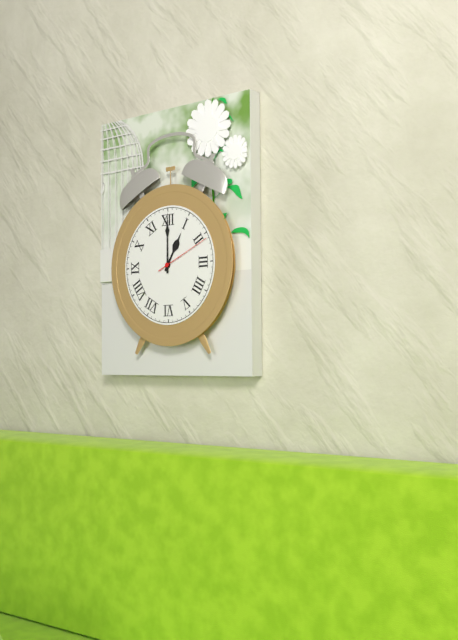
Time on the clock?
1:00:11
